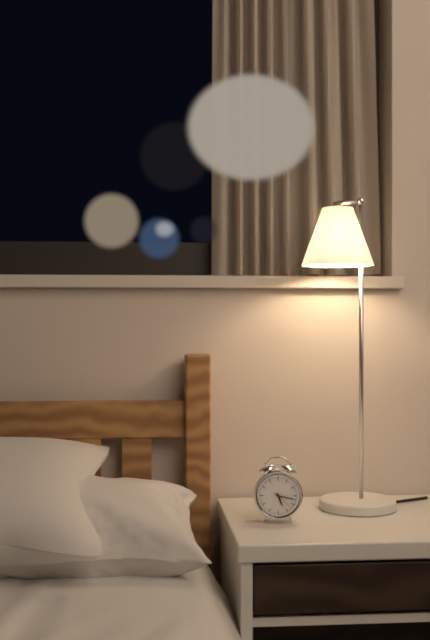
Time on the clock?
5:17
